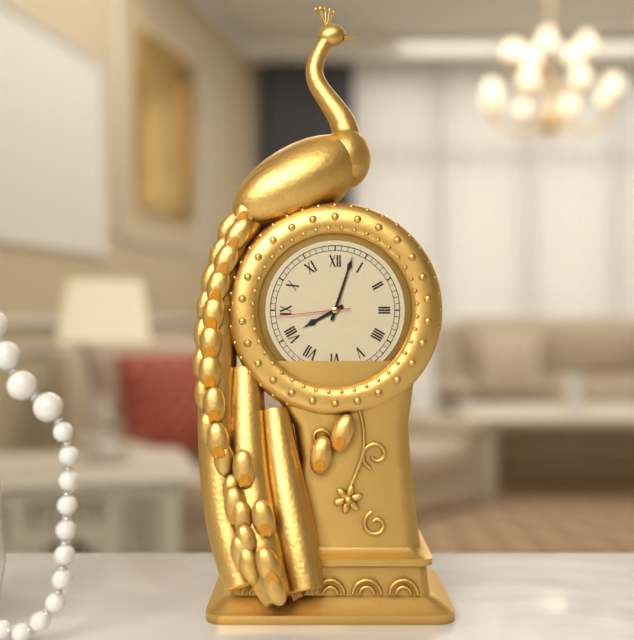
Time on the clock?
8:03:44
